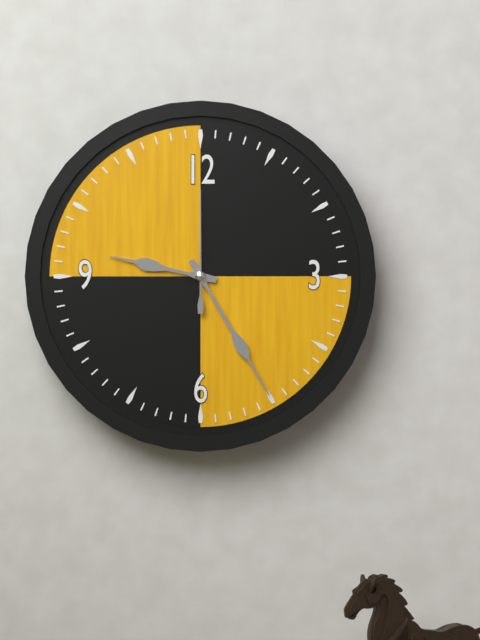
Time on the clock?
9:25:00
